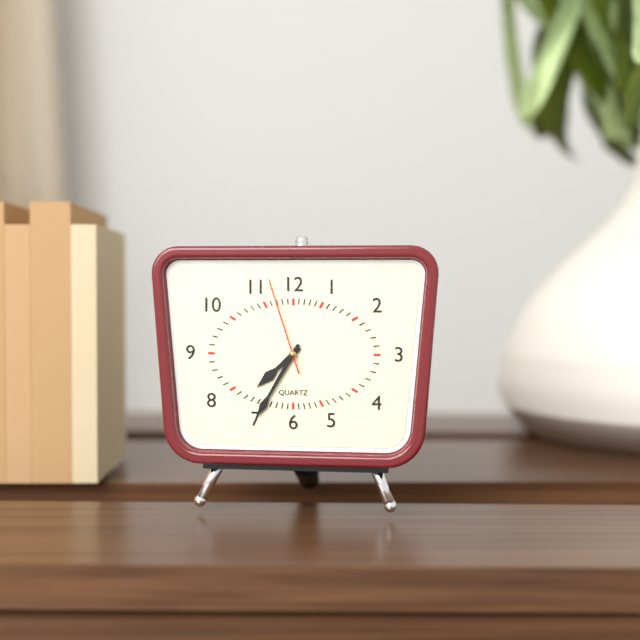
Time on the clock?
7:35:57
